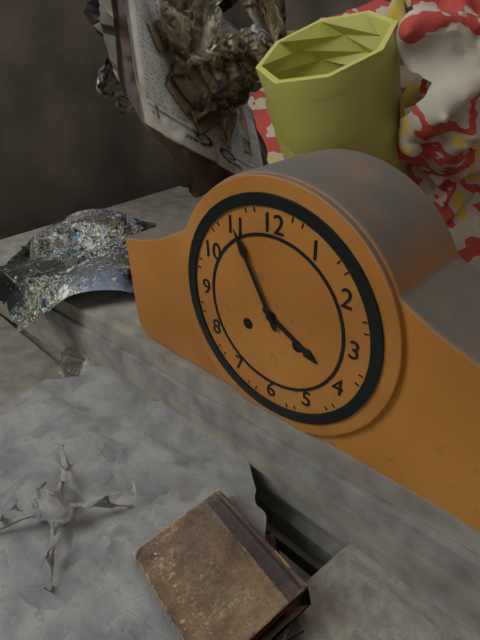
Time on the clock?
3:55
